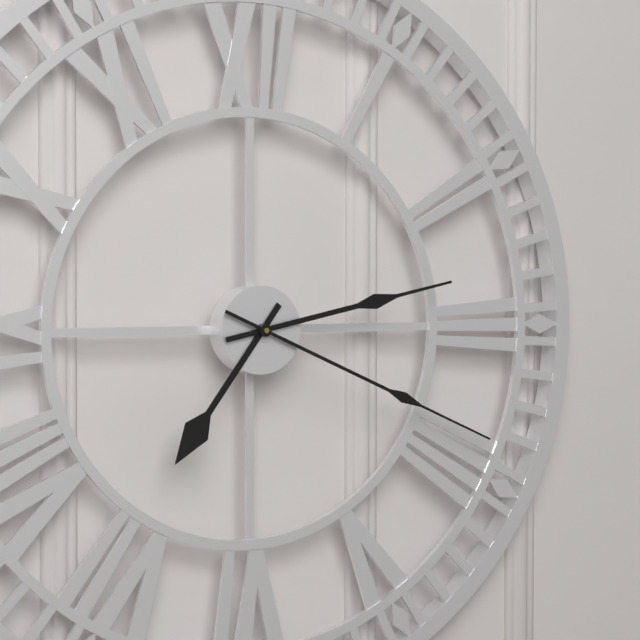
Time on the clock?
7:13:19
